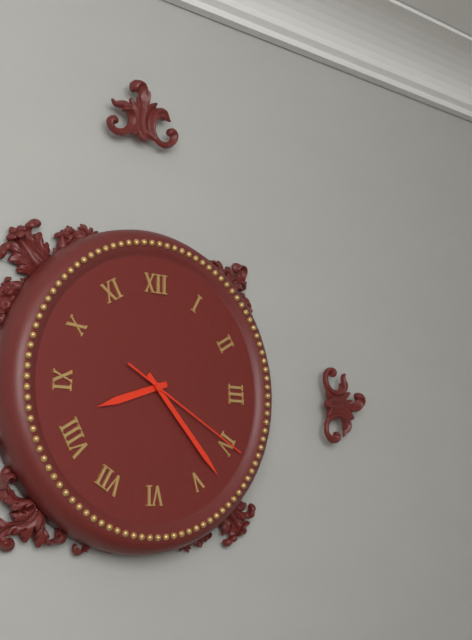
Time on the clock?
8:23:20
